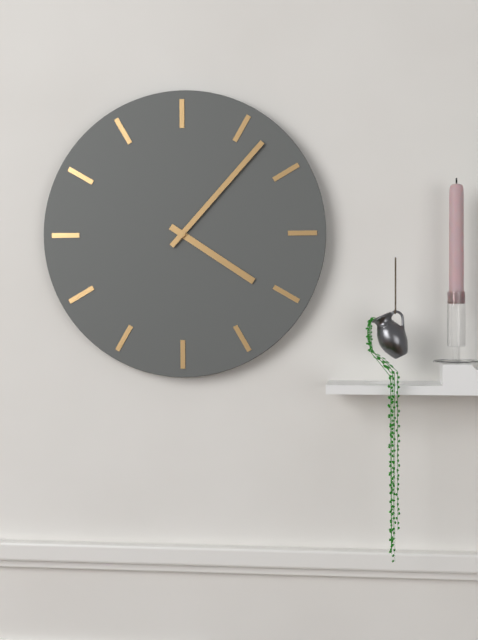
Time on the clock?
4:07
